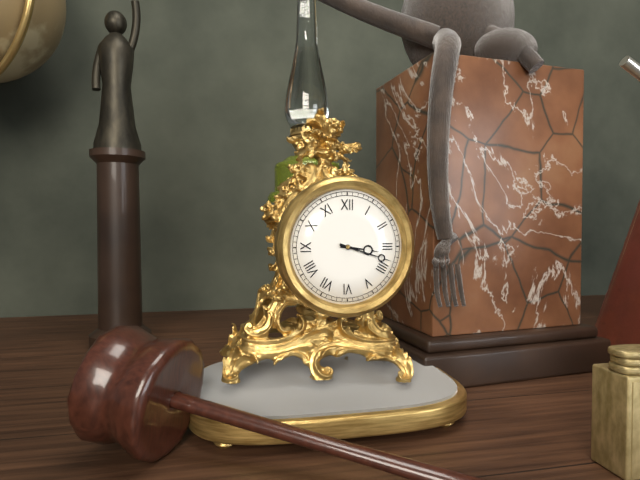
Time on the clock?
3:18
